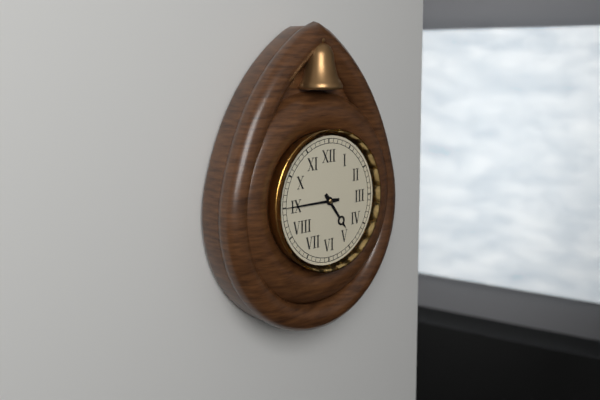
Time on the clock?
4:45
